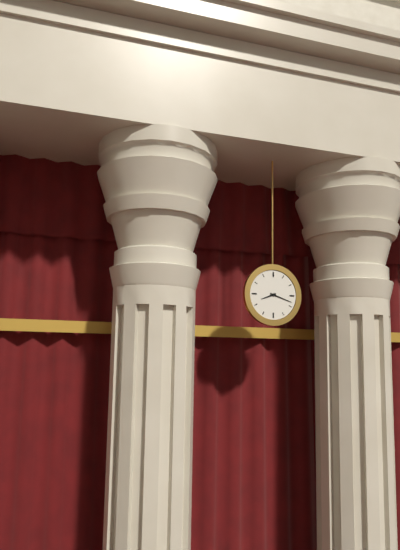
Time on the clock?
8:18
